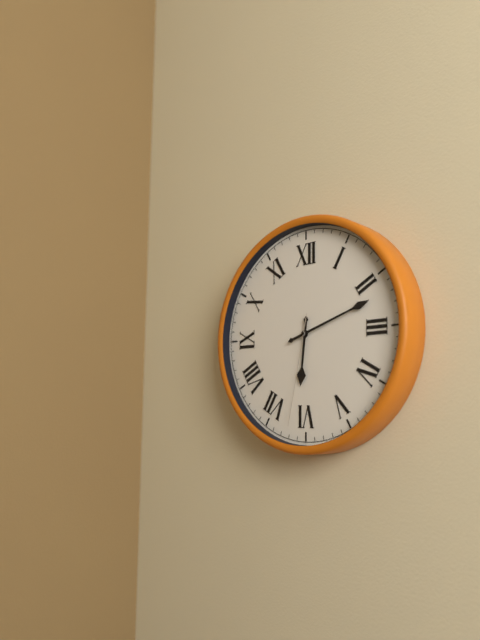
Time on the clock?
6:12:32
